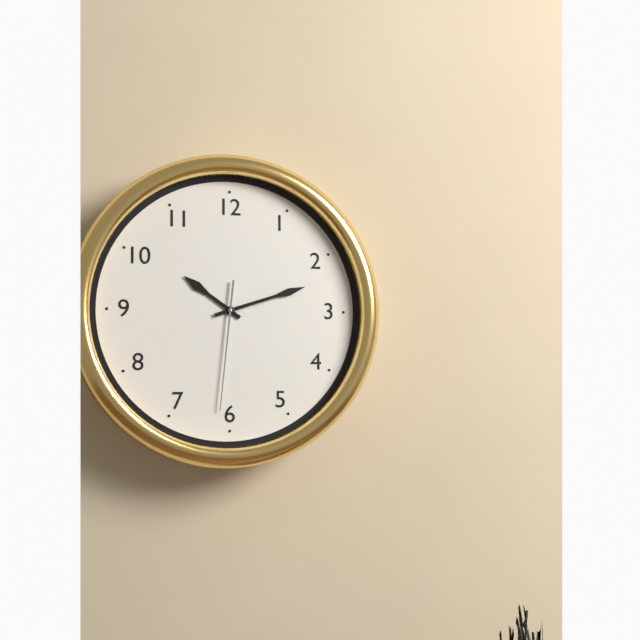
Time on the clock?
10:12:31
